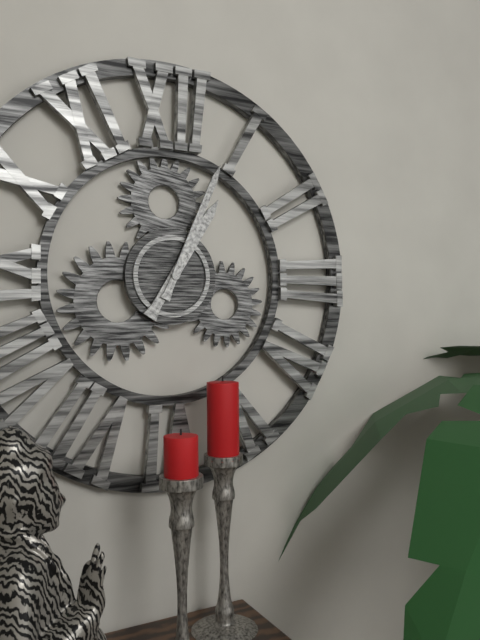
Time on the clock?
1:04
